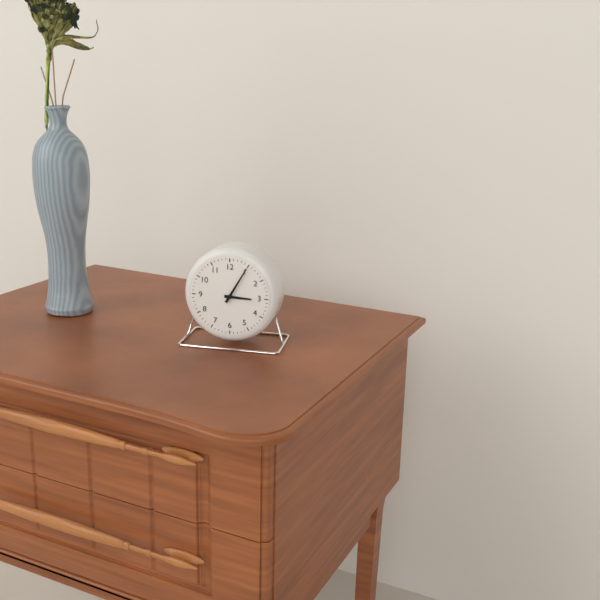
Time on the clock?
3:05
